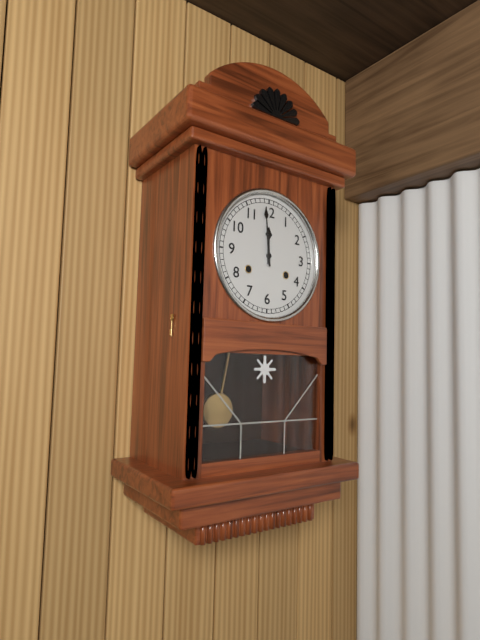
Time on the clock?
11:59
